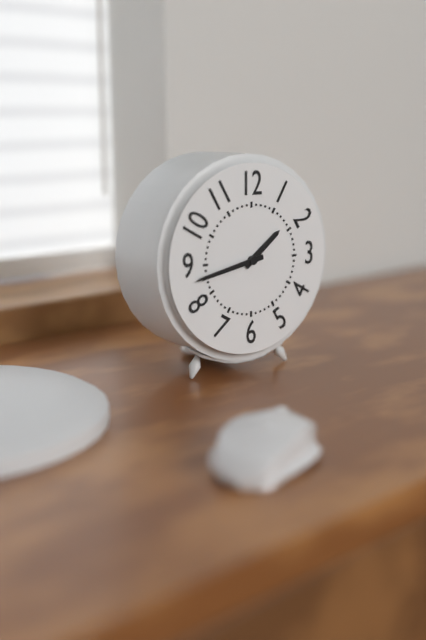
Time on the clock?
1:43
